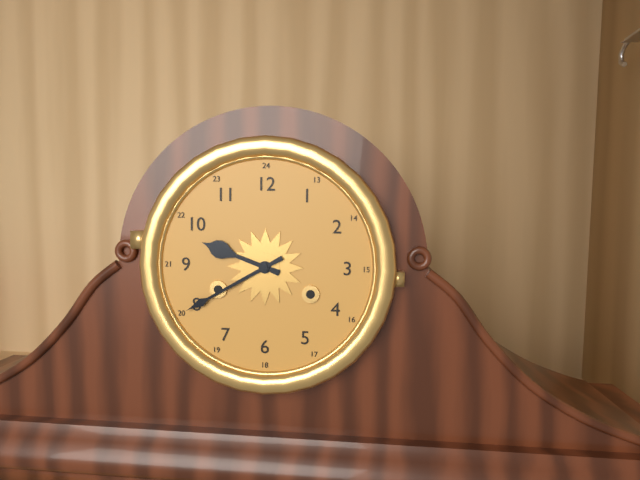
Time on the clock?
9:40
